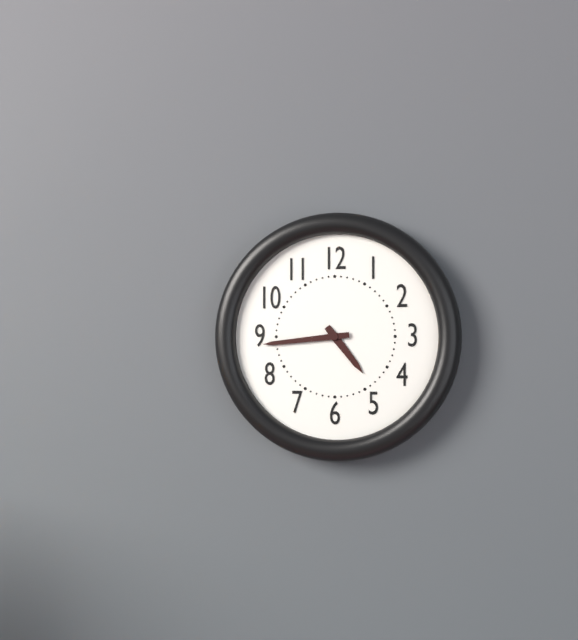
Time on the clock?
4:44
